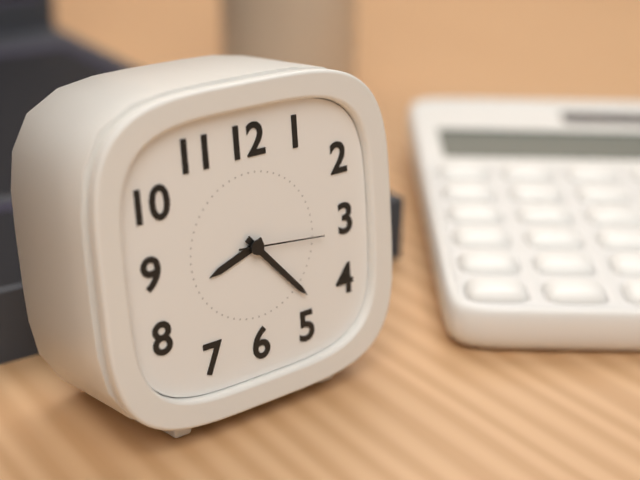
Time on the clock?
8:23:16
